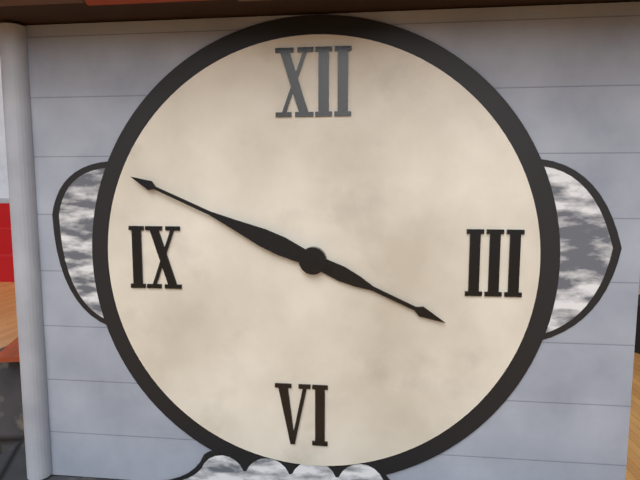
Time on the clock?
3:49
